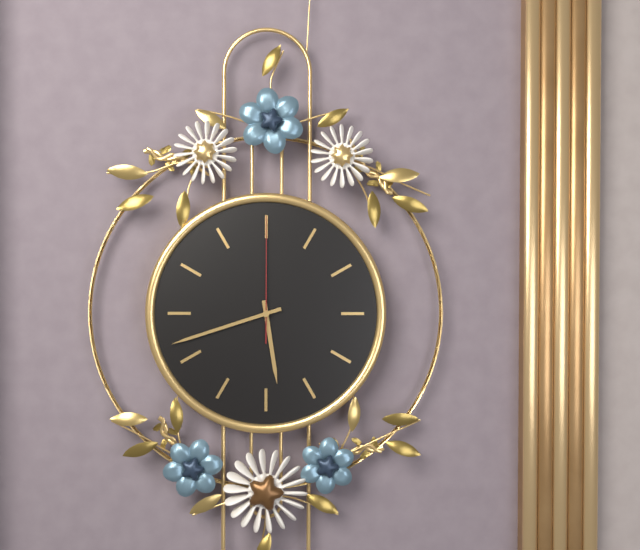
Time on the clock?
5:42:00
